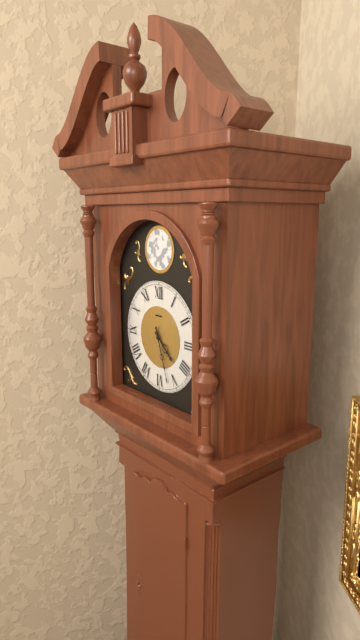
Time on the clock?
4:27
